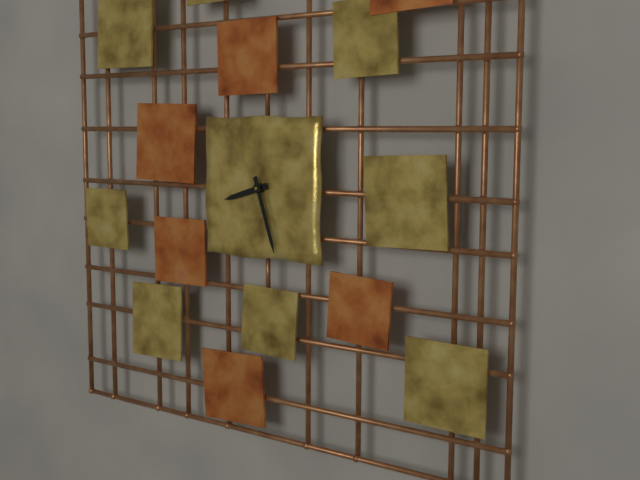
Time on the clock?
8:27
